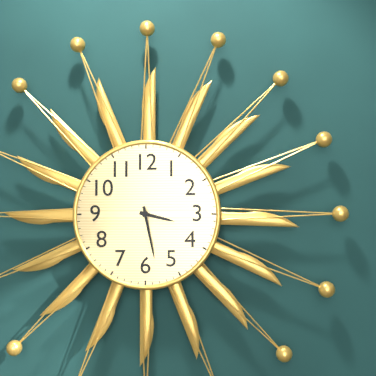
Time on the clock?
3:28
